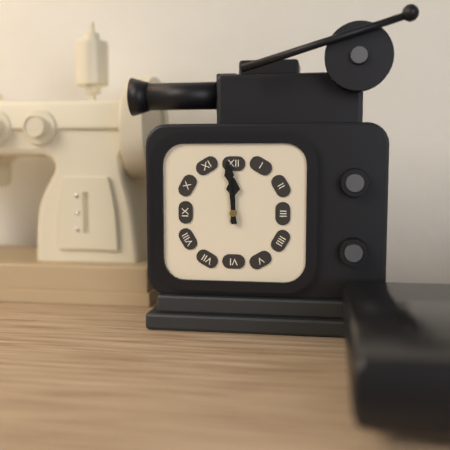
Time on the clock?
11:59
